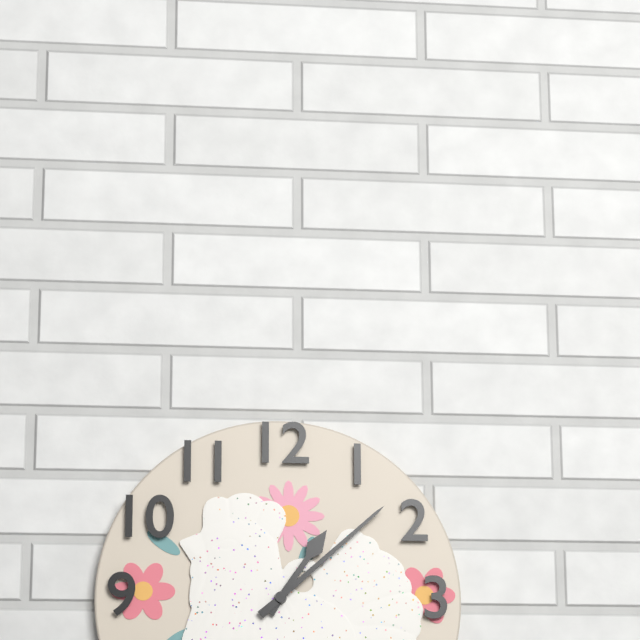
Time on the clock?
1:08
